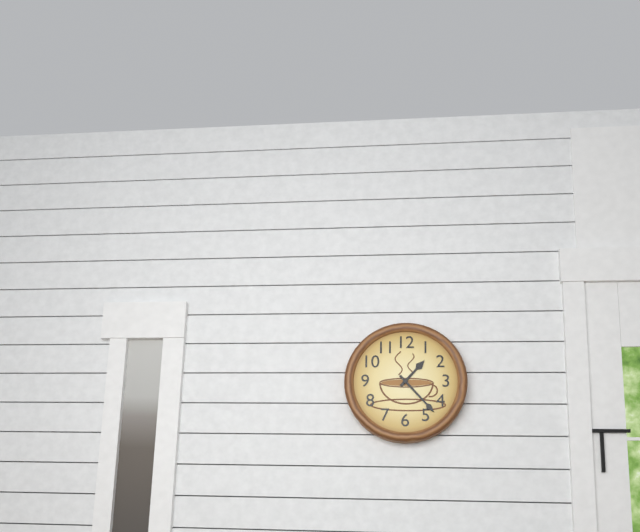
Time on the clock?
1:23
